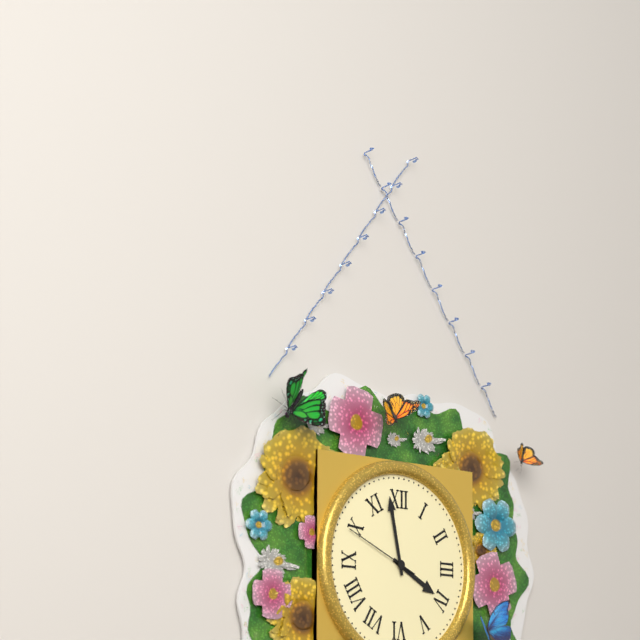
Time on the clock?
3:58:49
